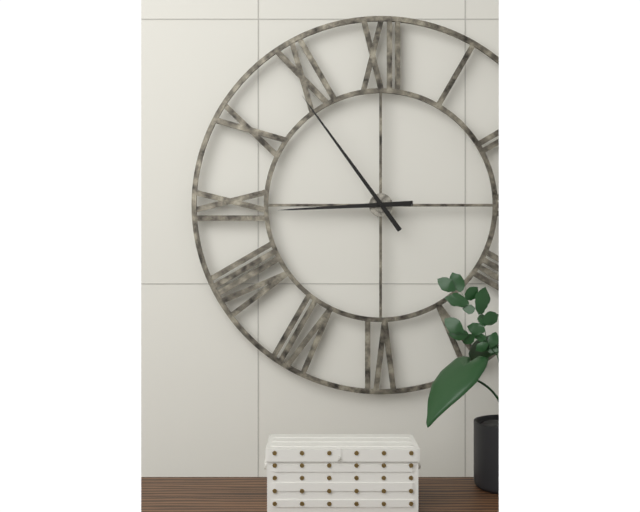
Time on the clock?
8:54
